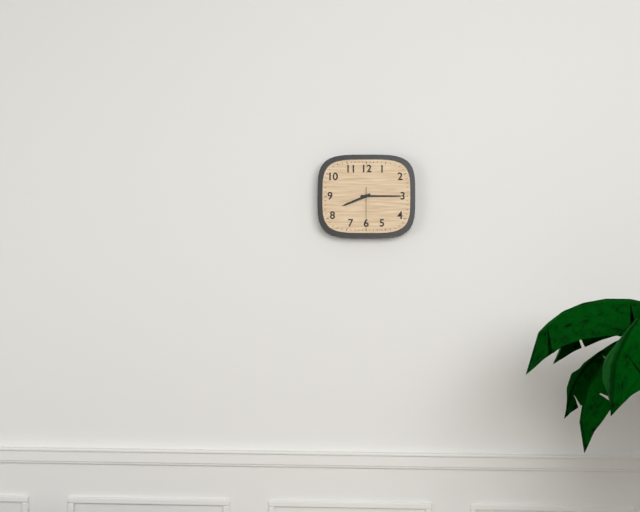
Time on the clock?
8:15
